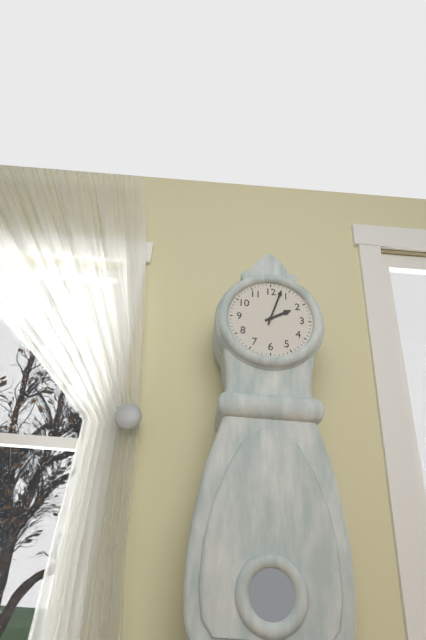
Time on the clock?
2:03
